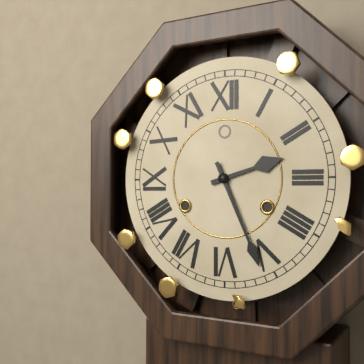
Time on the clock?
2:26
